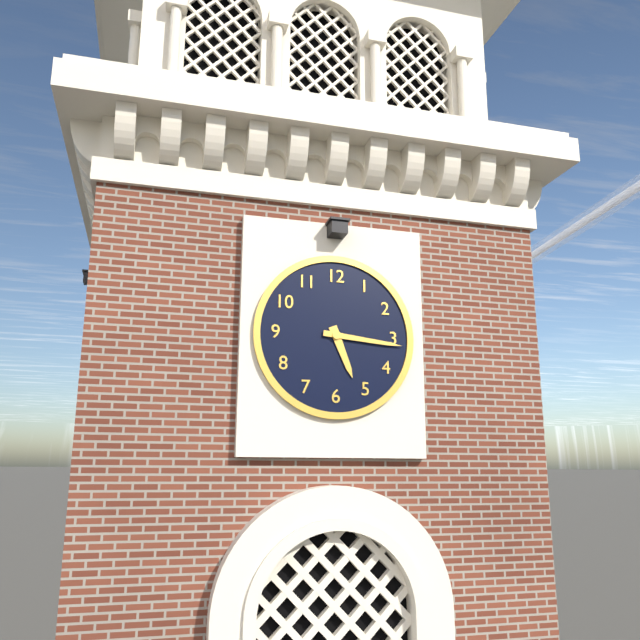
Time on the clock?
5:16
